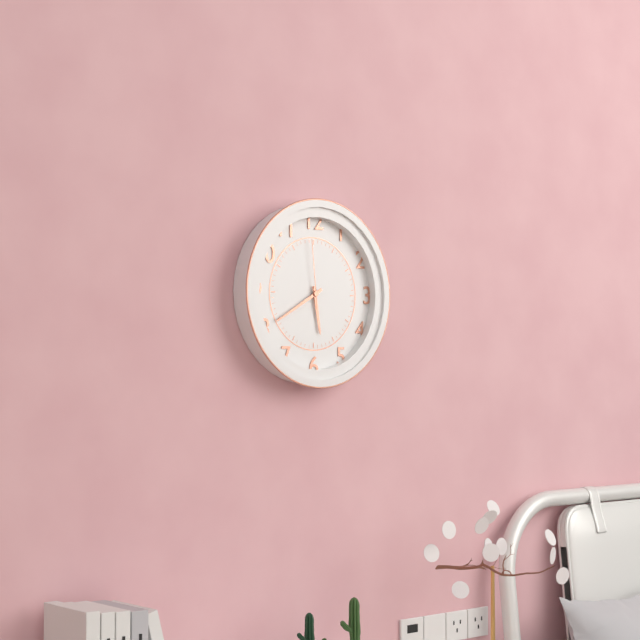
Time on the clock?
5:40:59
